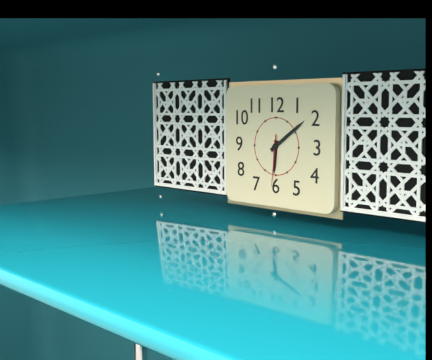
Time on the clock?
6:09:31
